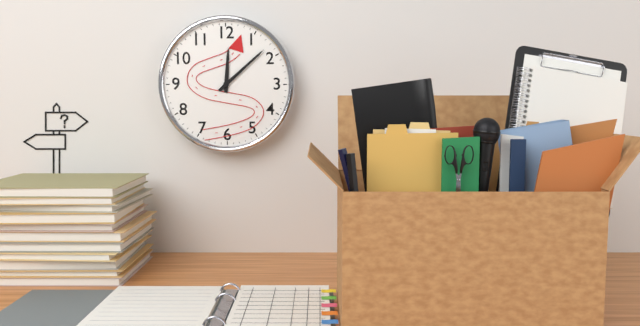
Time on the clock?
12:08
